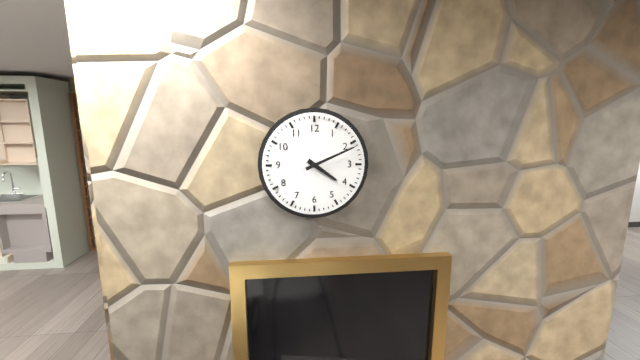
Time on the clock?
4:11
